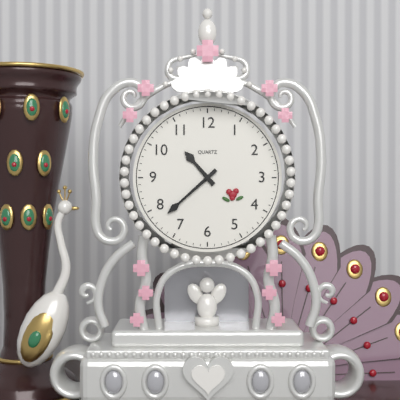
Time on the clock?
10:38
